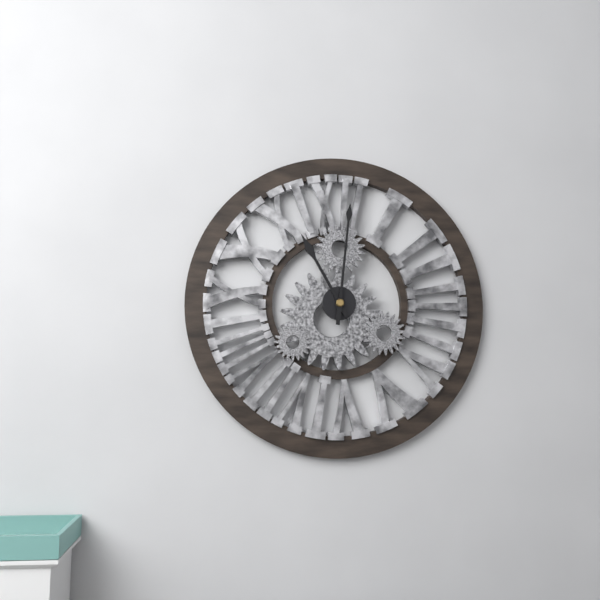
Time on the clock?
11:01
